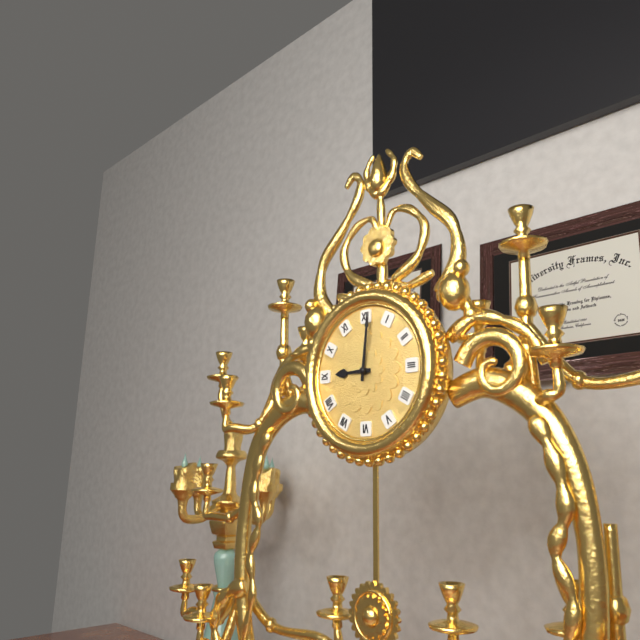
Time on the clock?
9:01
